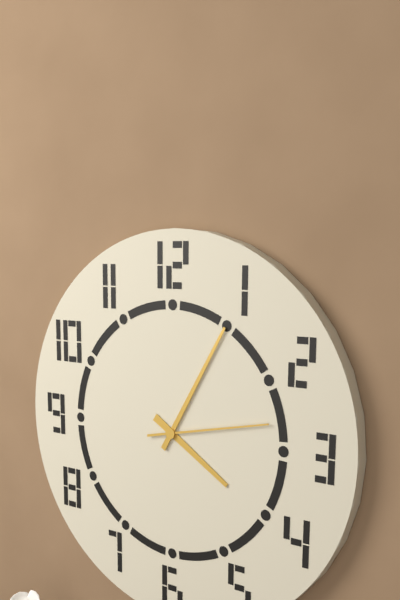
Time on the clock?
4:05:13
